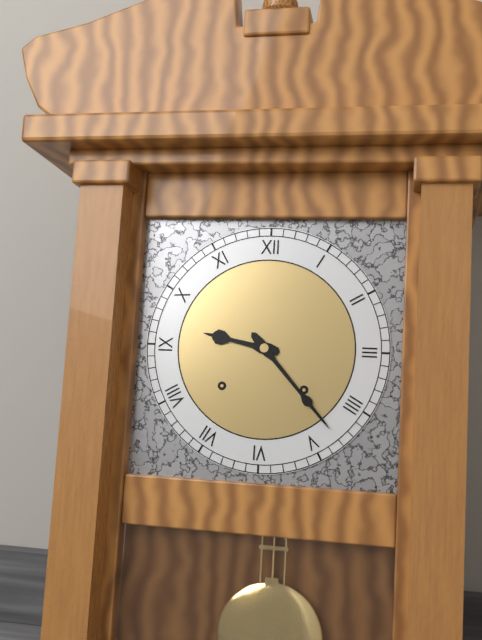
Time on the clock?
9:23
